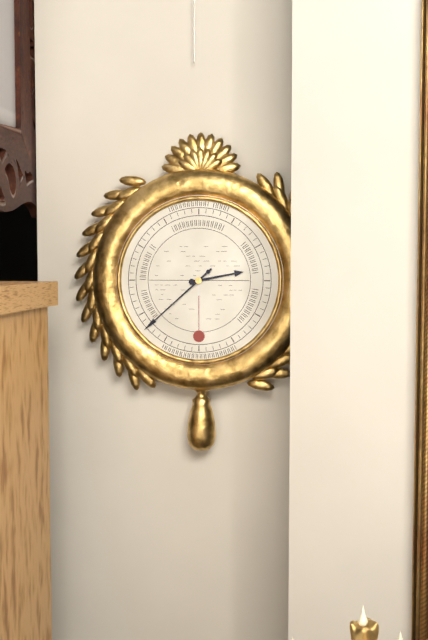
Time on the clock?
2:38
